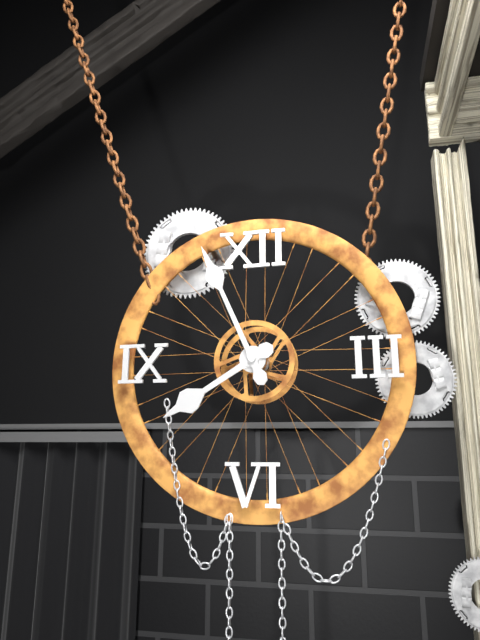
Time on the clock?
7:56
